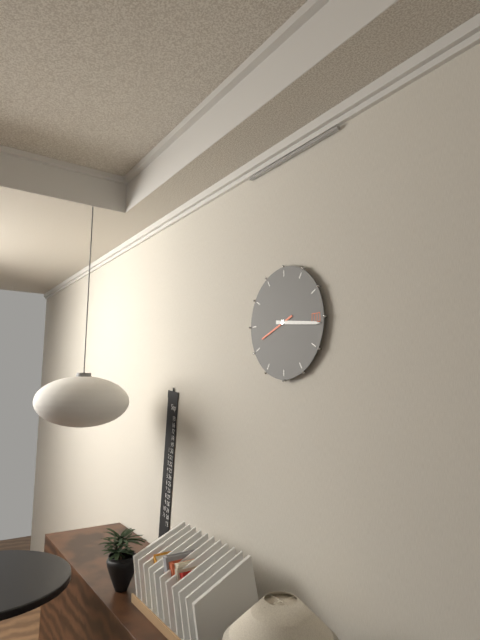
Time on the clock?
8:16
